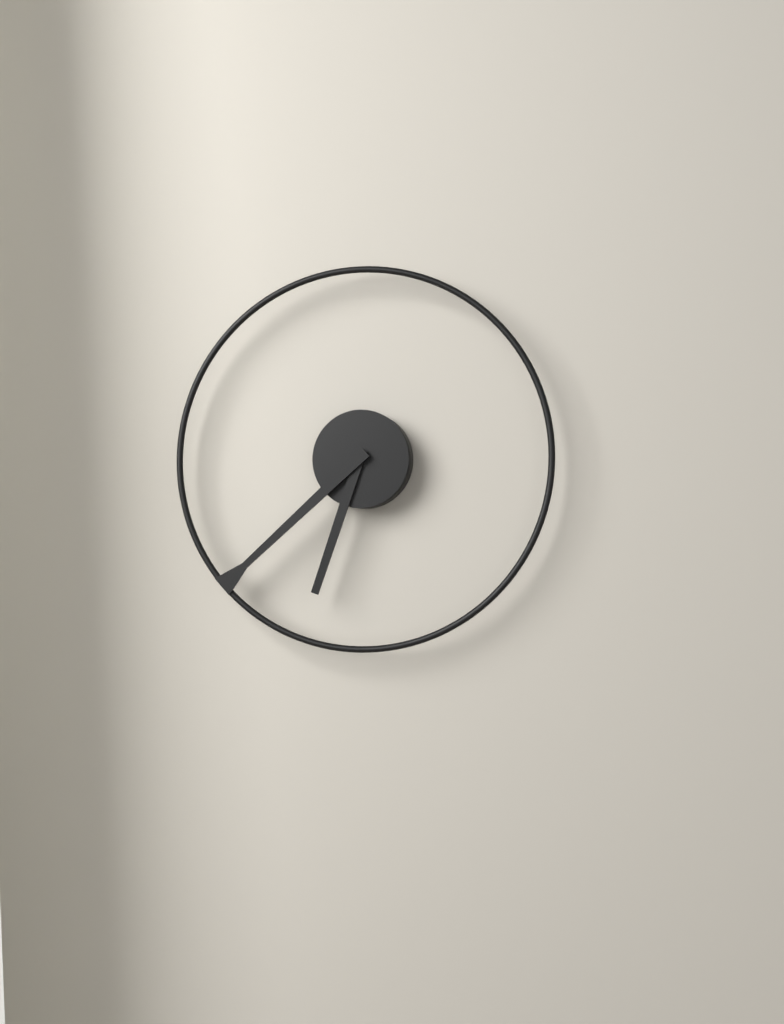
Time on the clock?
6:38
